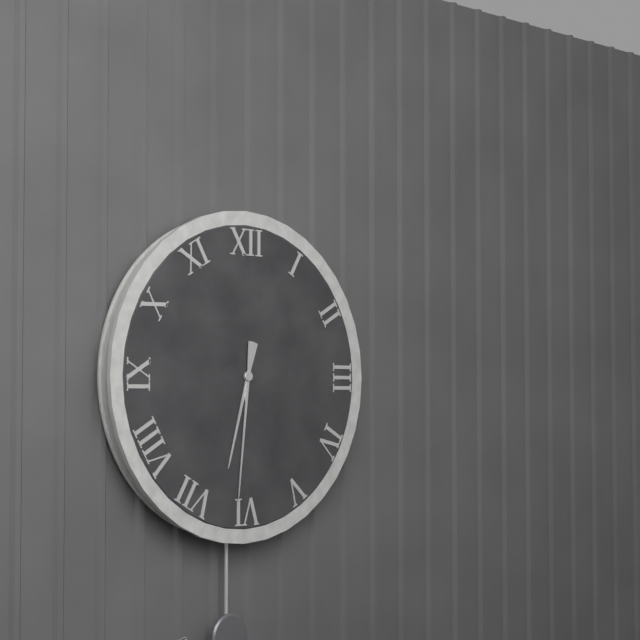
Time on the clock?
6:31
